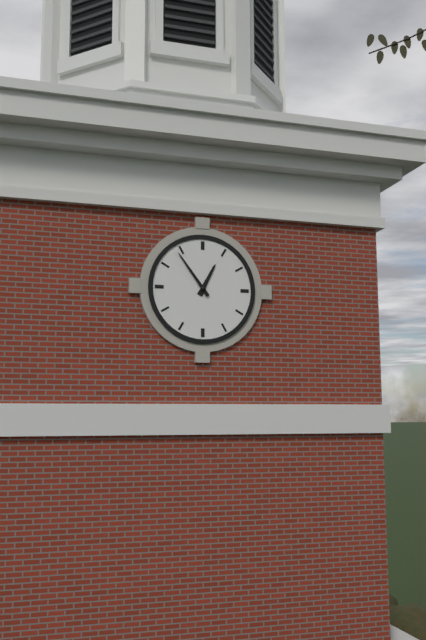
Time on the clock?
12:54
